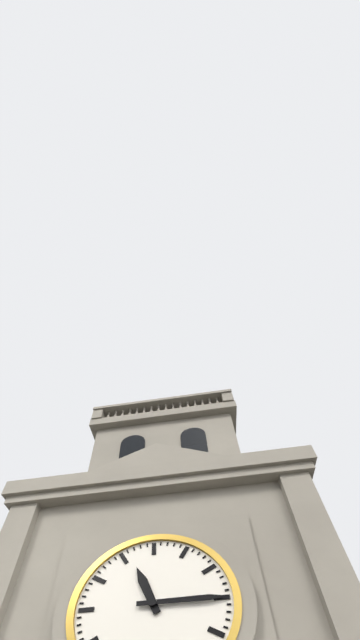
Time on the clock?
11:15
